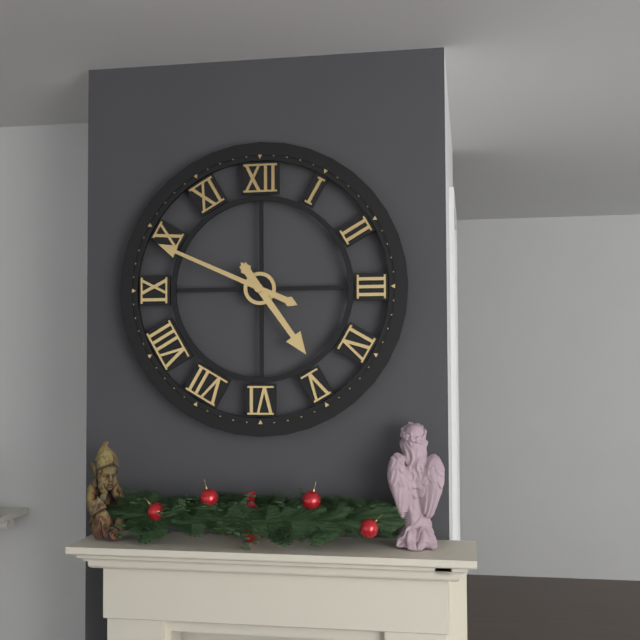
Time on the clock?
4:49
